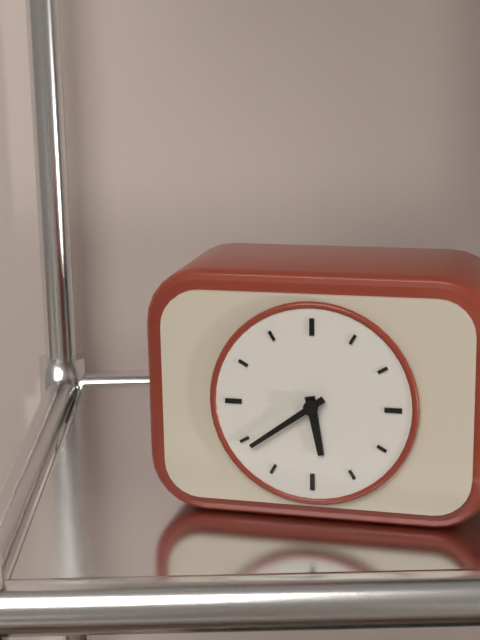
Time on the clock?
5:39
